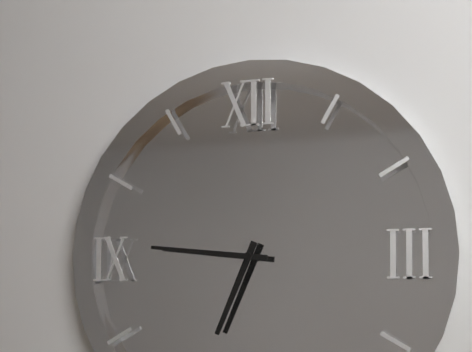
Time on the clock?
6:46
